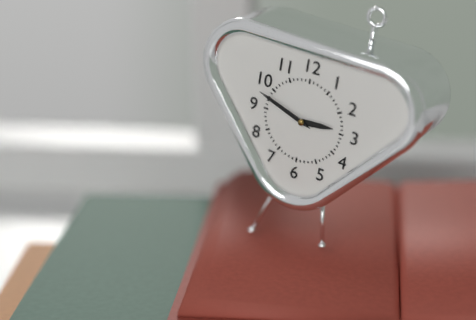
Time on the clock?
2:48
